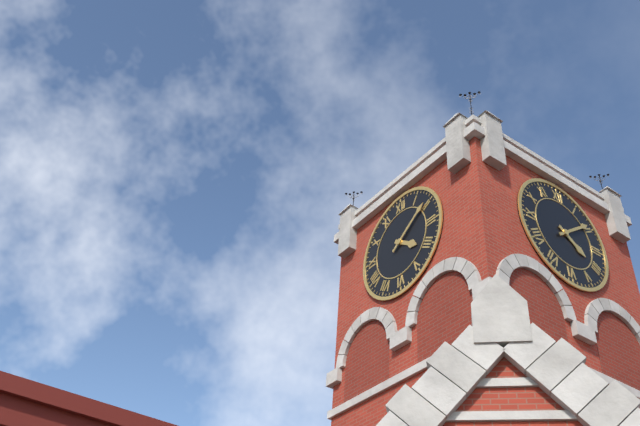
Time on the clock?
4:09
